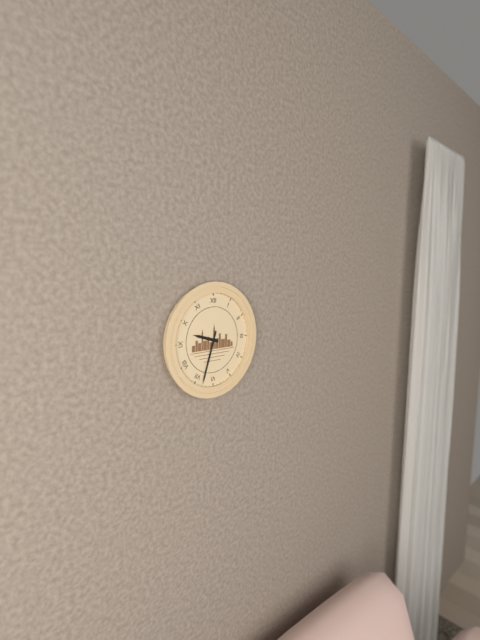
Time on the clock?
9:33
